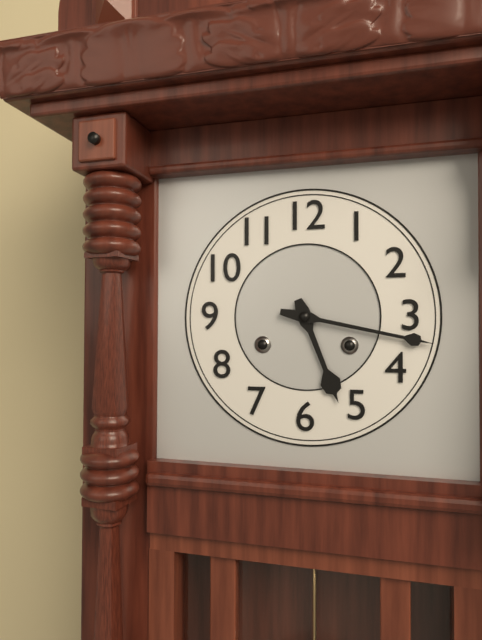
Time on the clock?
5:17
